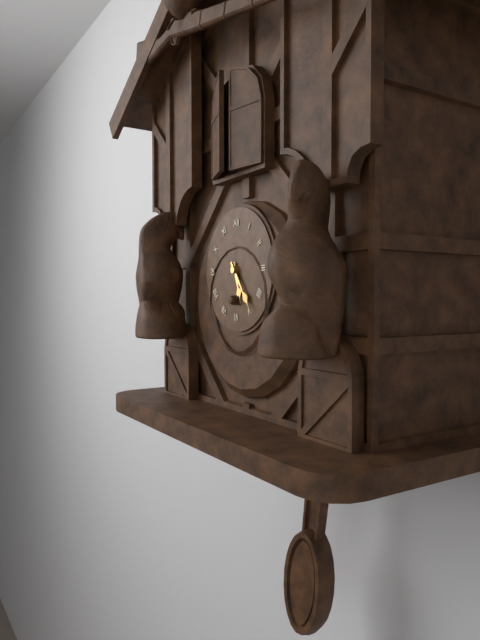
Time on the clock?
5:24
